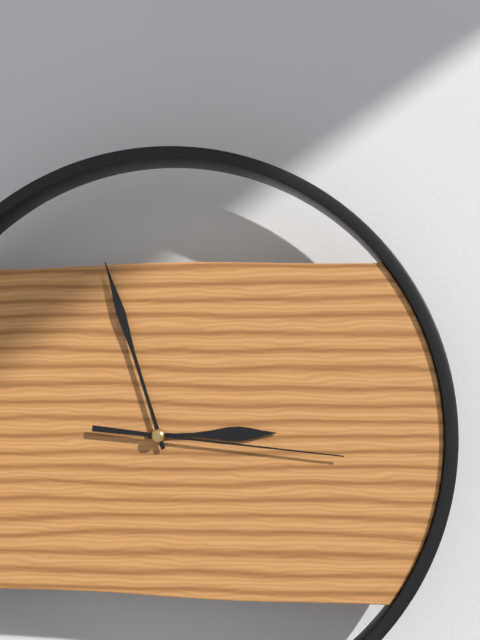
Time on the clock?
2:57:16
